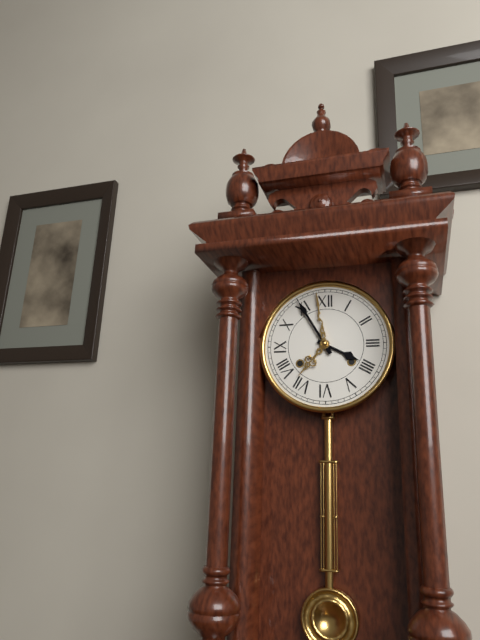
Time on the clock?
3:55
